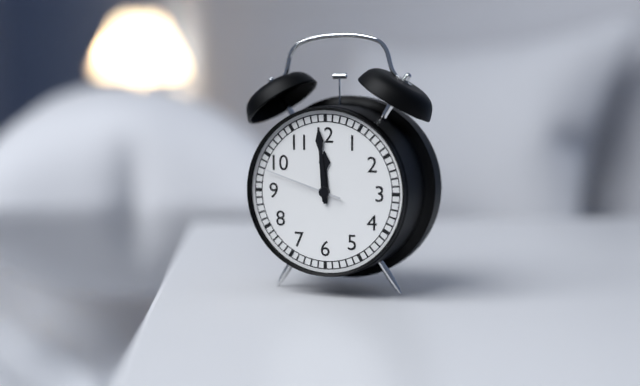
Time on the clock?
11:59:48
